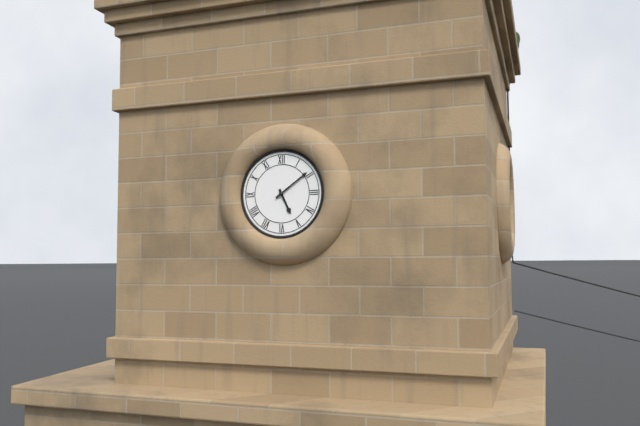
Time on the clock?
5:09
